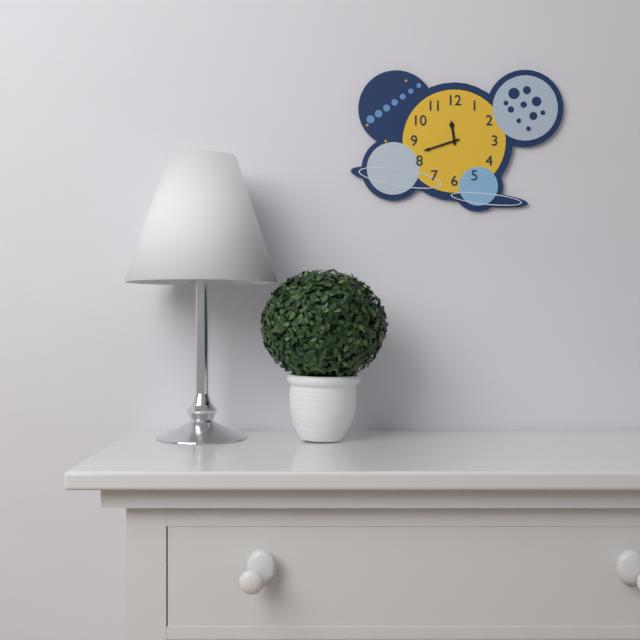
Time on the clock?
11:42
